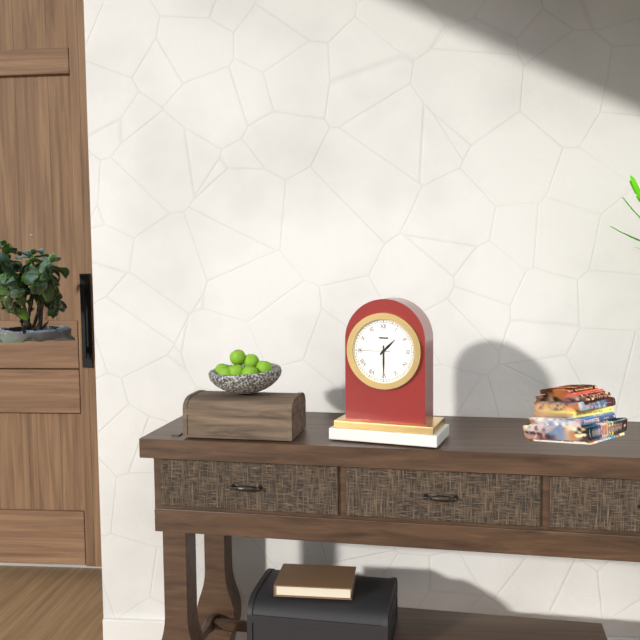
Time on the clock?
1:30
